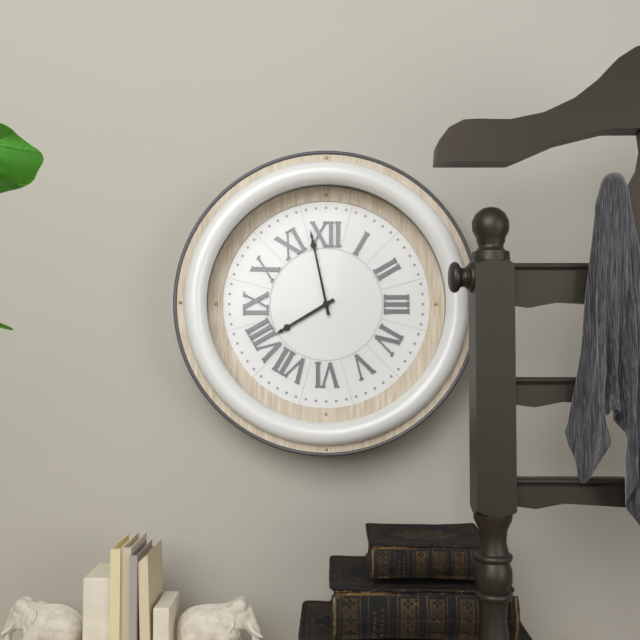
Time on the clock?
7:58
